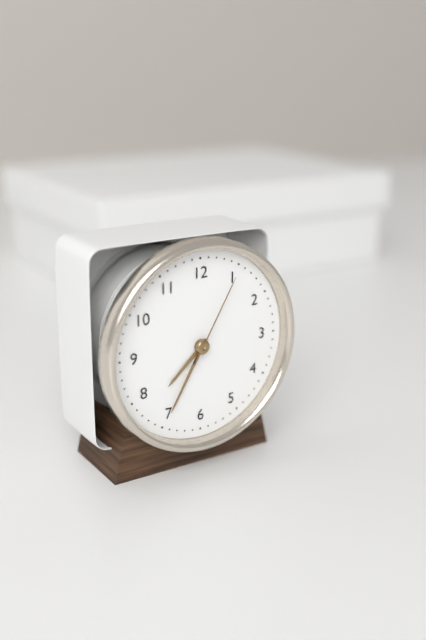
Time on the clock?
7:35:05
